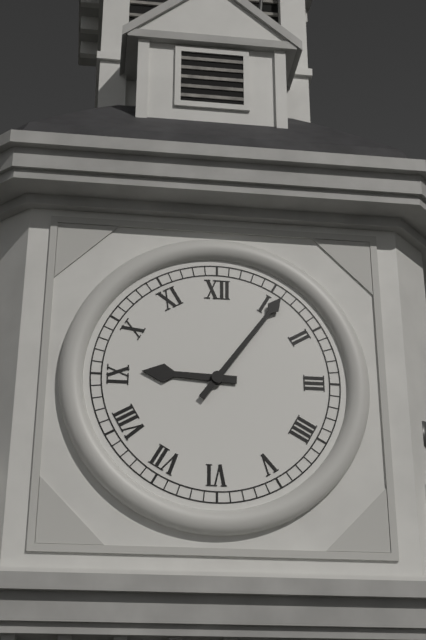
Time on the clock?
9:06
